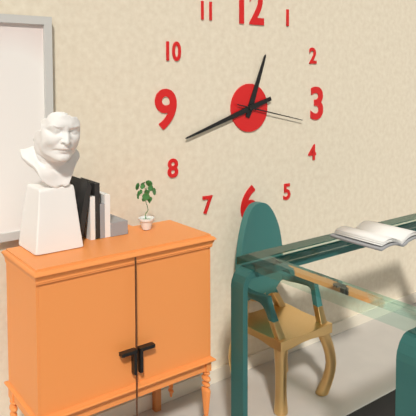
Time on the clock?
12:42:17
